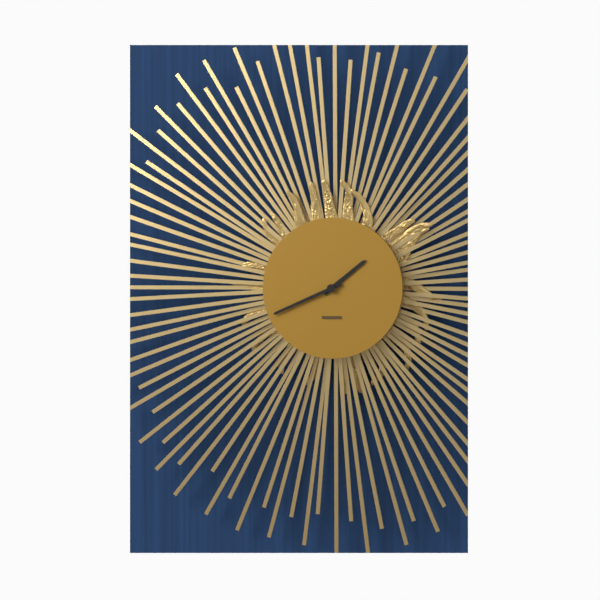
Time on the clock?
1:41
